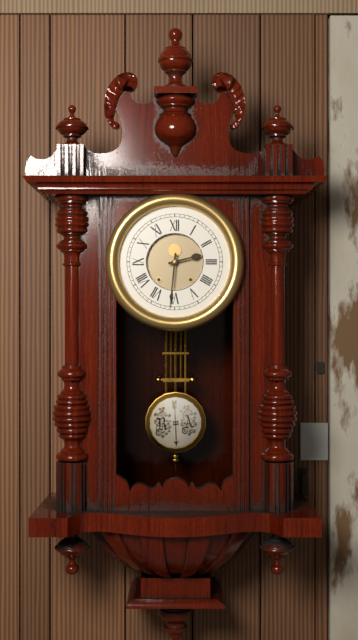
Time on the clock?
2:31
